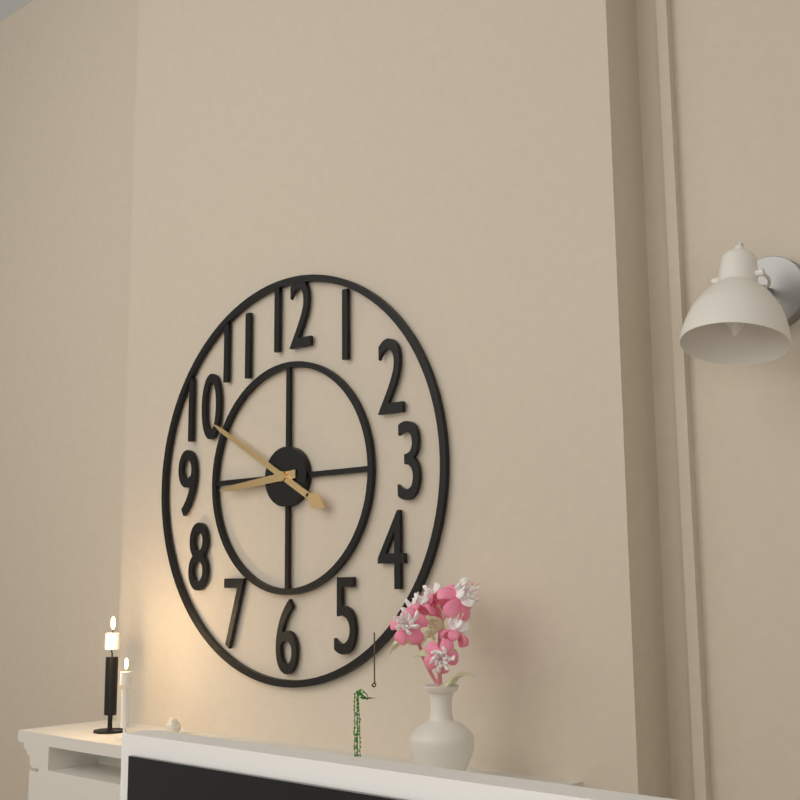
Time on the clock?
8:50
